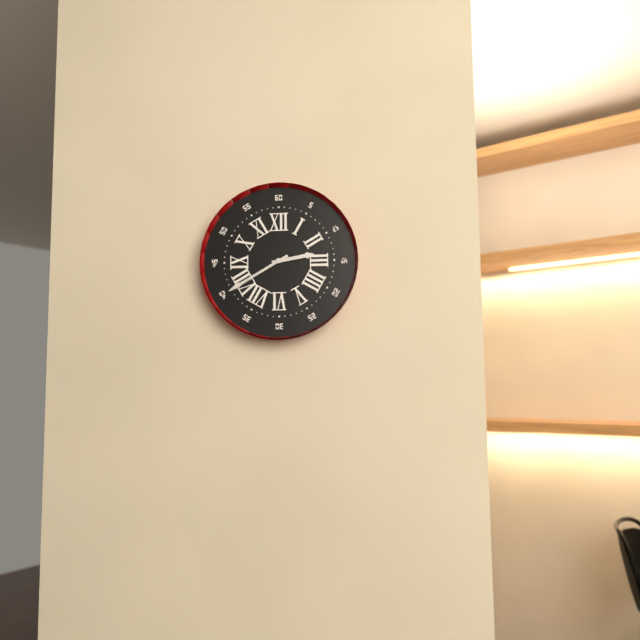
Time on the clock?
2:40
